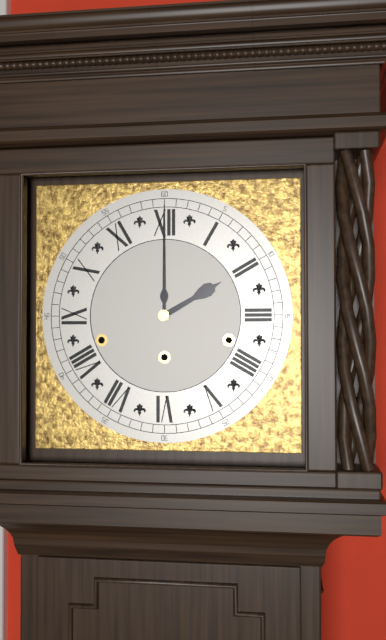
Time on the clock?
2:00
